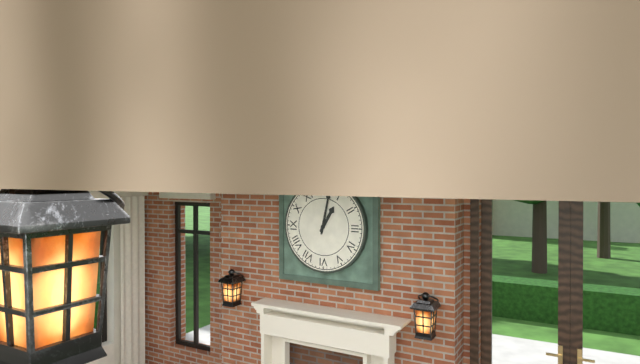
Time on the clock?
1:02
